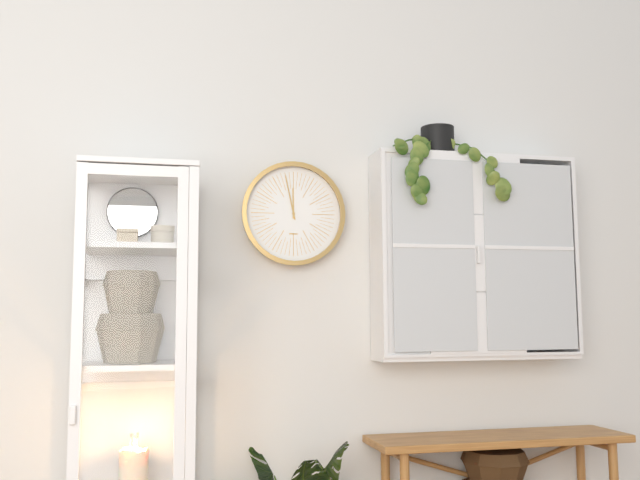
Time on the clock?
11:58
